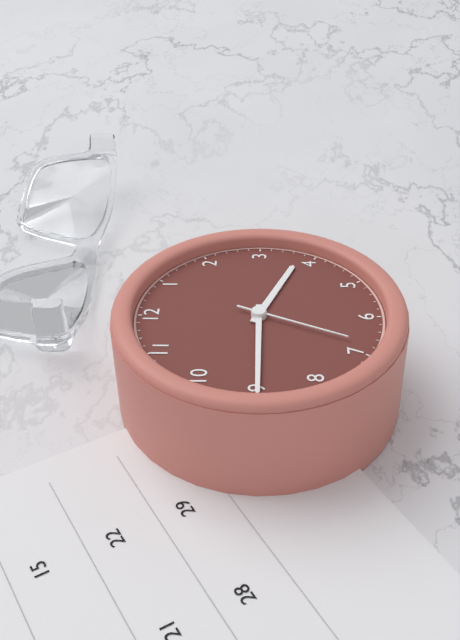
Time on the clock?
3:45:34
